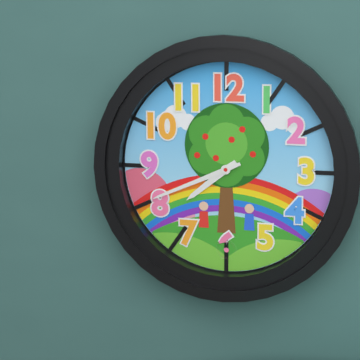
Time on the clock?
7:41
